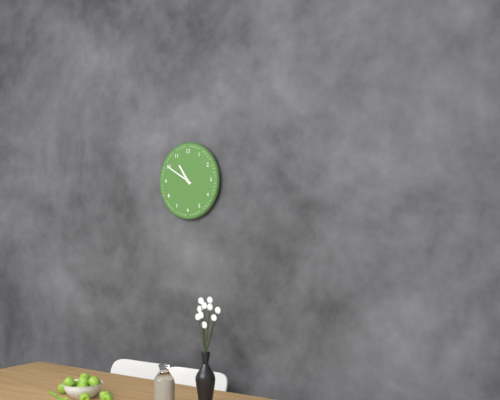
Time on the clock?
10:50
